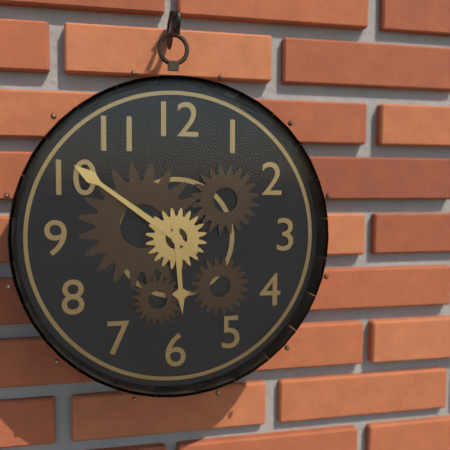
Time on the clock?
5:51
